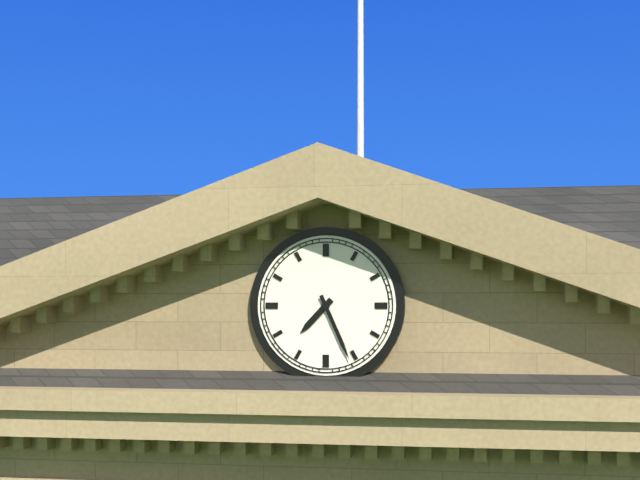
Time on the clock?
7:26
